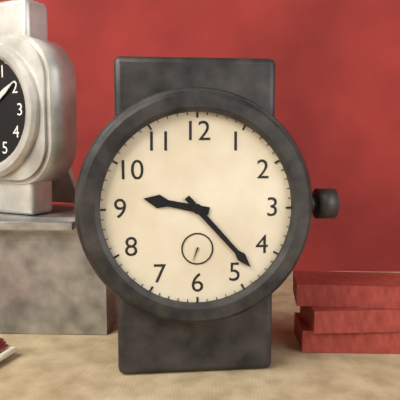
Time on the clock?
9:23
